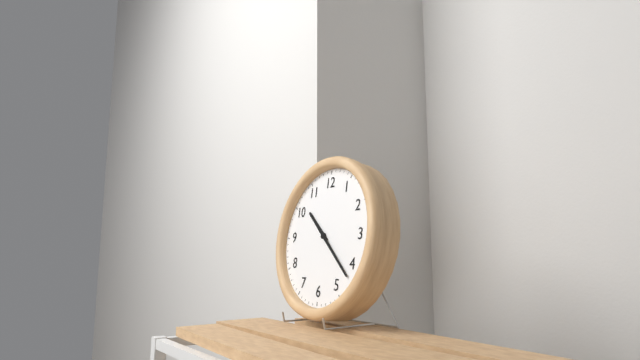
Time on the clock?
10:22
